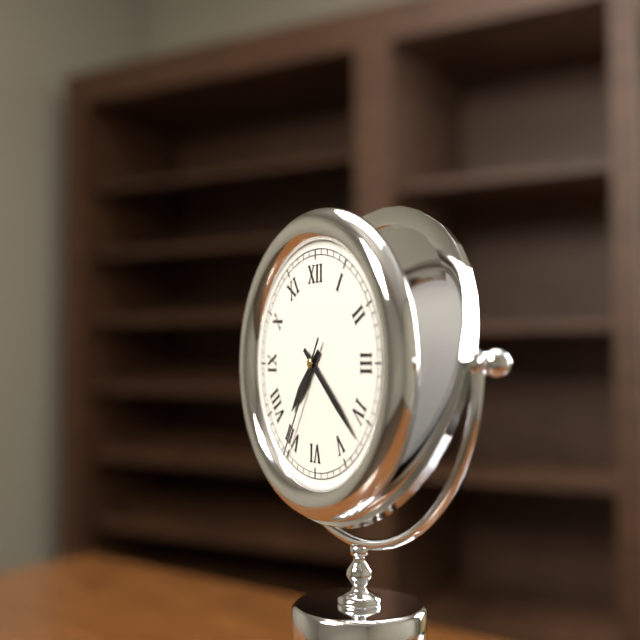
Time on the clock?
7:22:35
